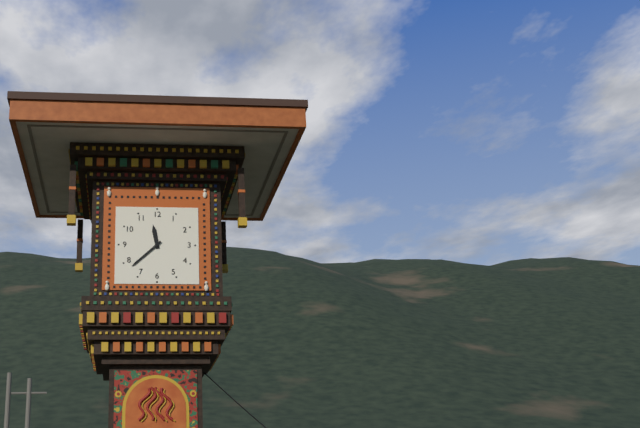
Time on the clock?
11:38
